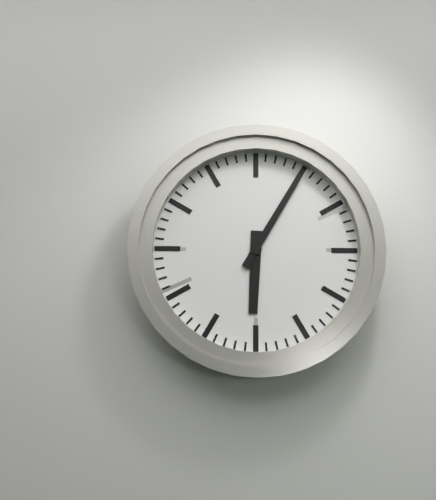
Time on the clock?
6:05
